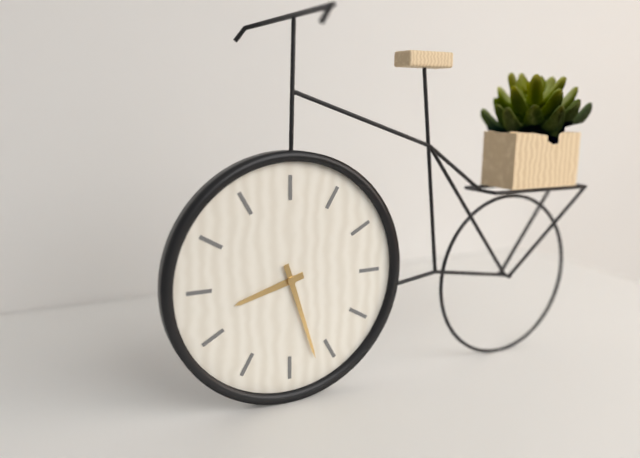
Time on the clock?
8:27
